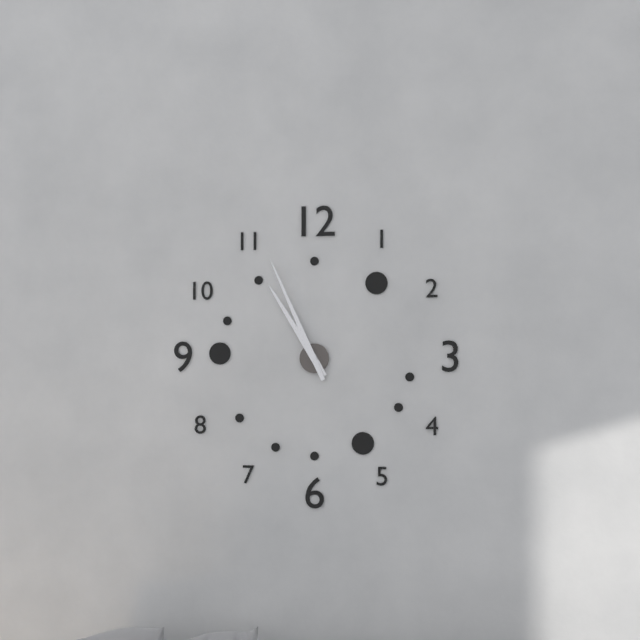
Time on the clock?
10:56
